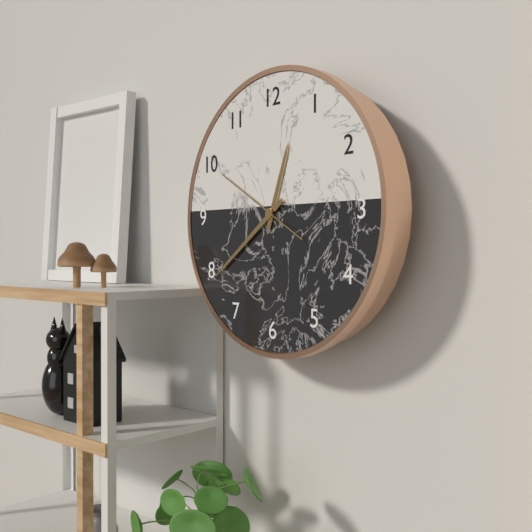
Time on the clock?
12:39:50
